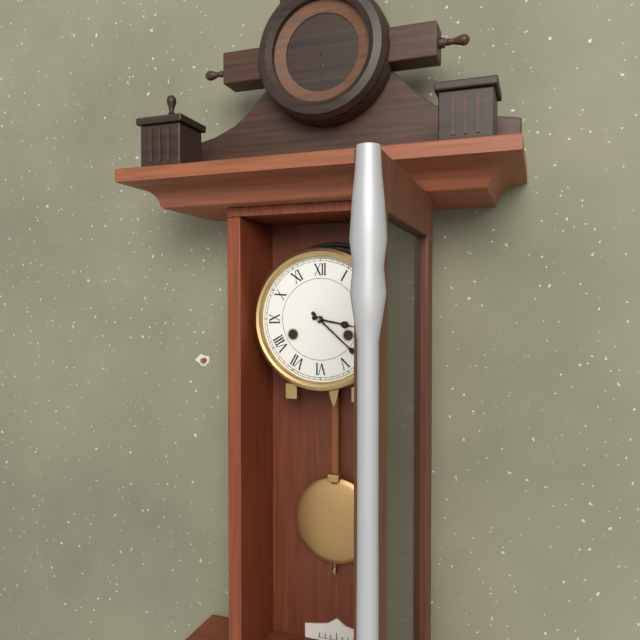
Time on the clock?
3:22
